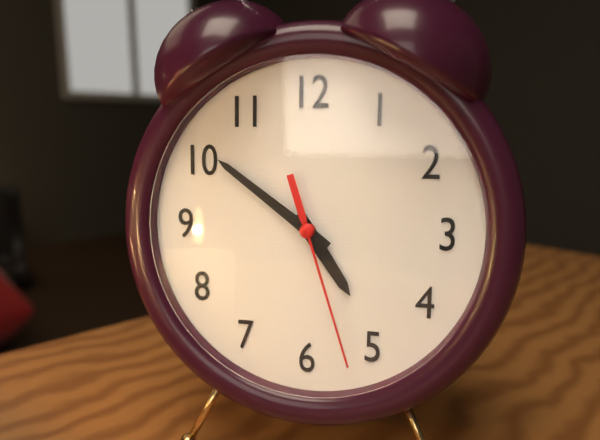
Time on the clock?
4:51:27
